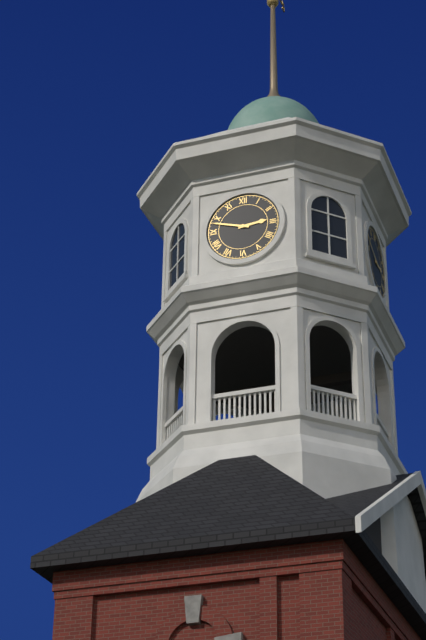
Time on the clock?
2:48
